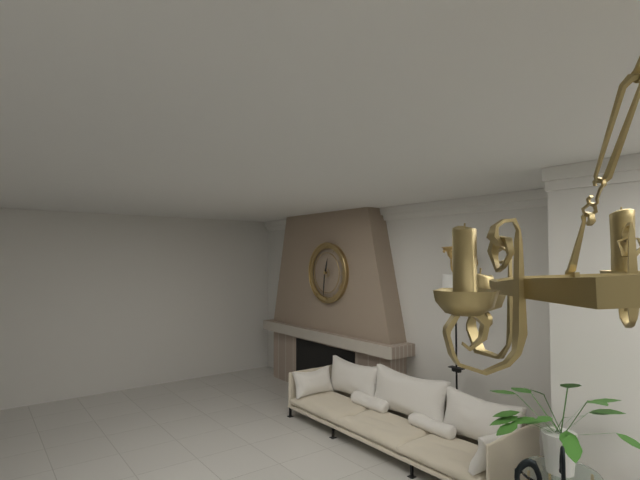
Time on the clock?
12:31
